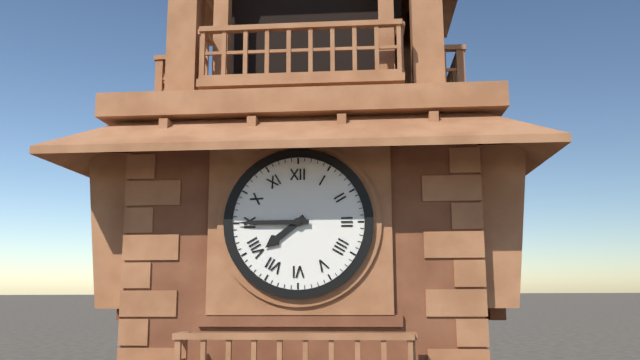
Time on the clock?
7:45
